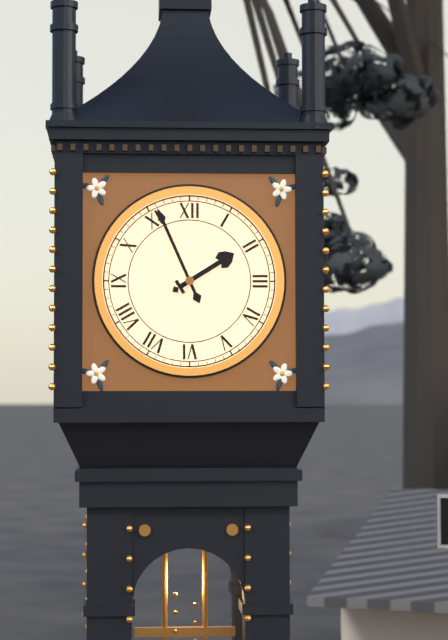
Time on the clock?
1:56
